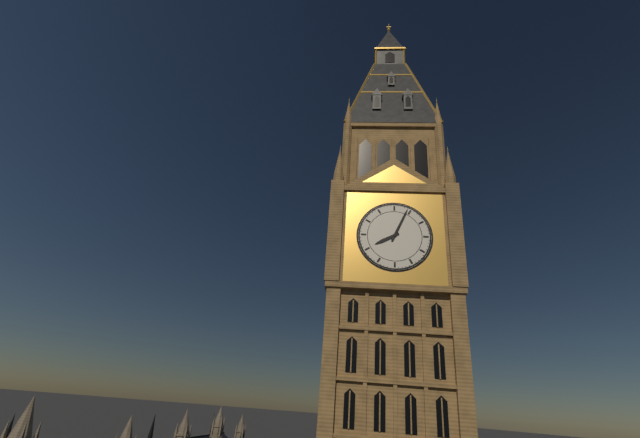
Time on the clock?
8:04
